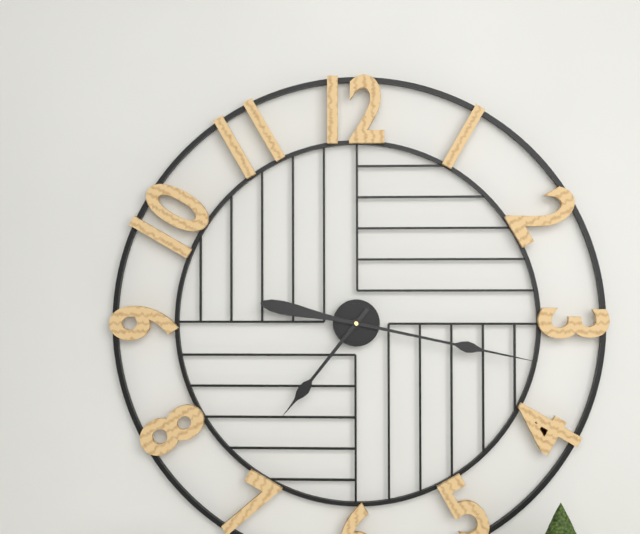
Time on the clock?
7:17
